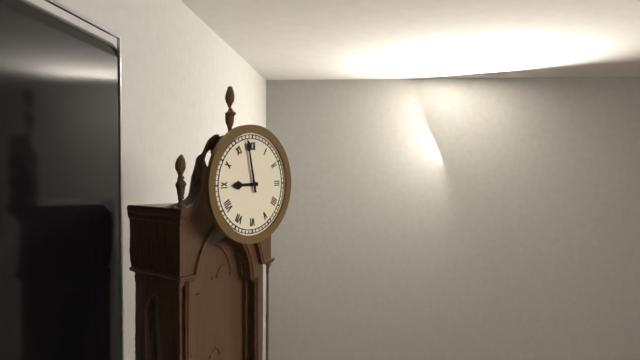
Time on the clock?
8:58
